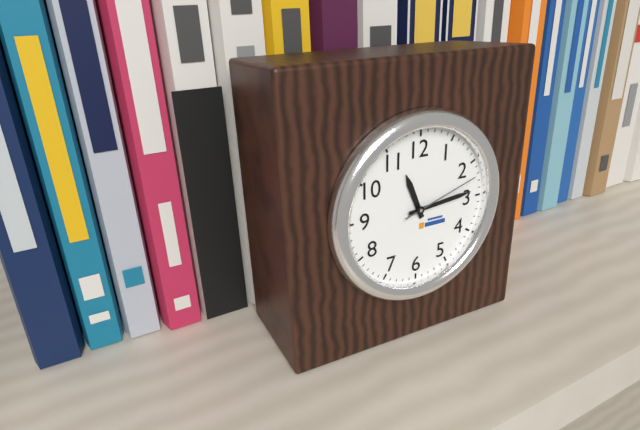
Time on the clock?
11:14:12
